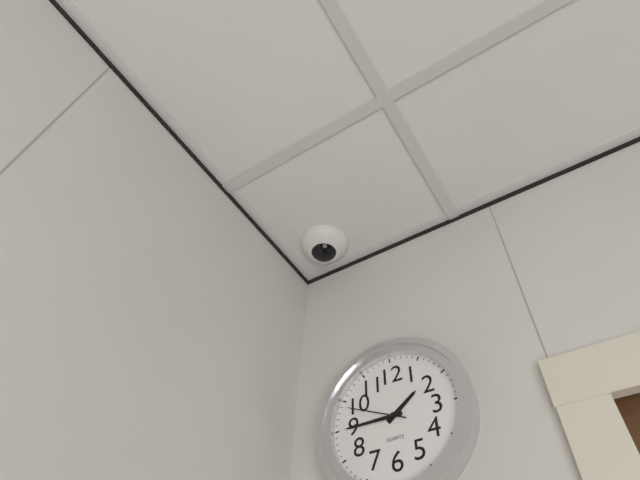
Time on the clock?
1:45:49
